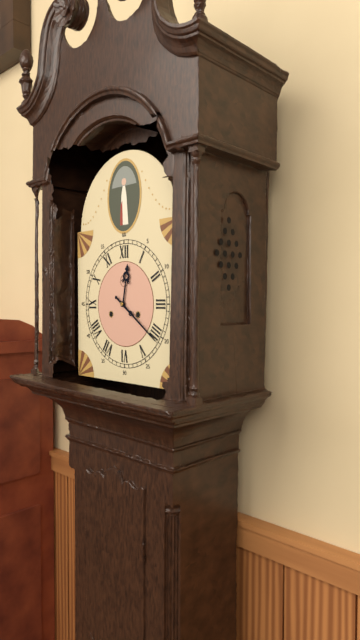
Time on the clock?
12:21
